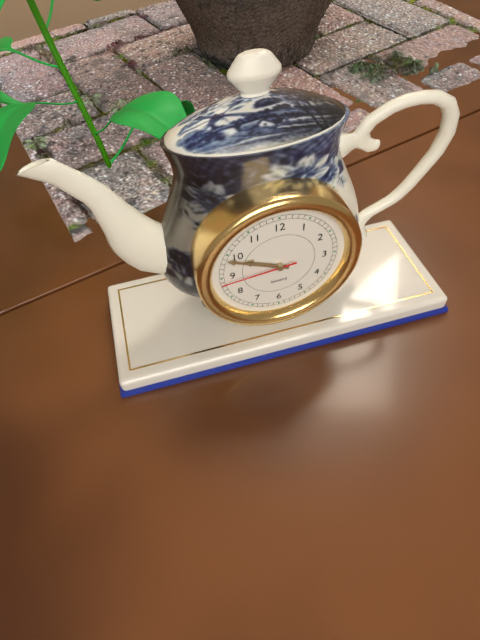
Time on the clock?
9:49:44
